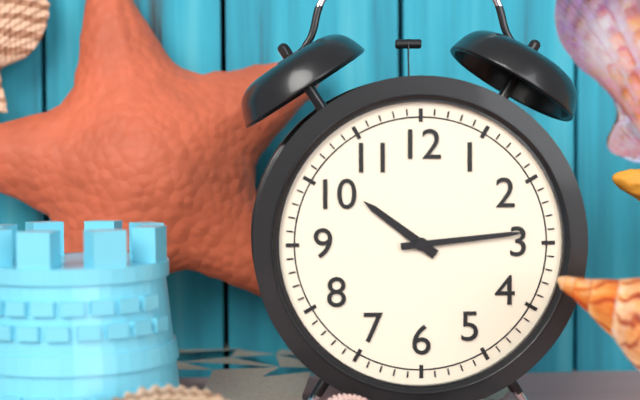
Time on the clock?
10:14
